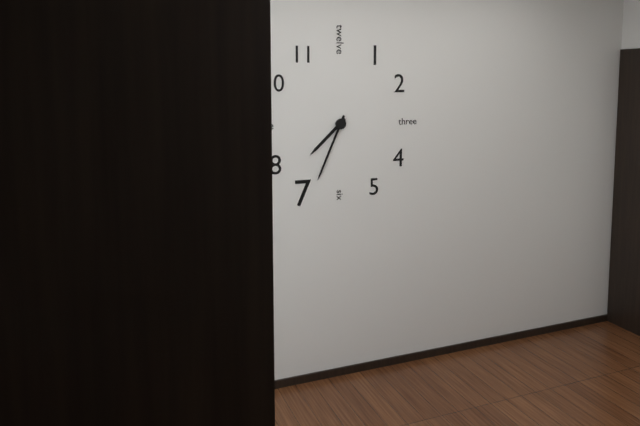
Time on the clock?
7:34
